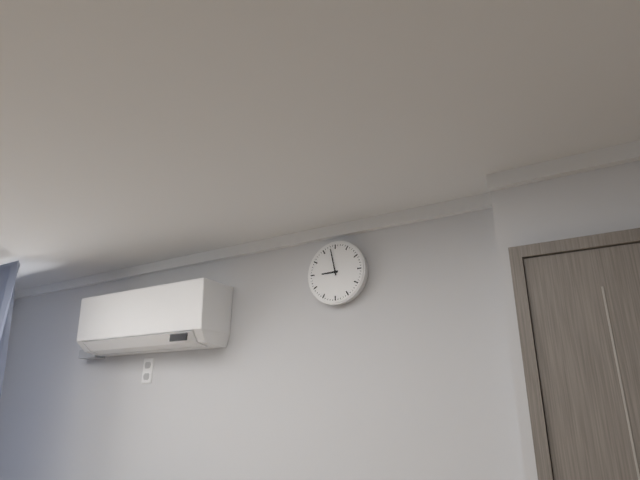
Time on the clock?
8:58
